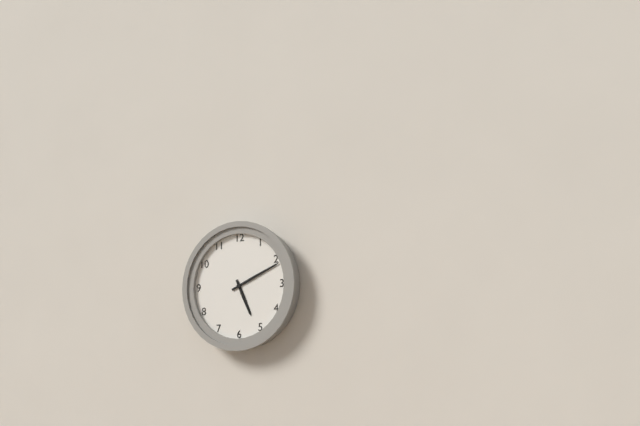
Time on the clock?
5:11
